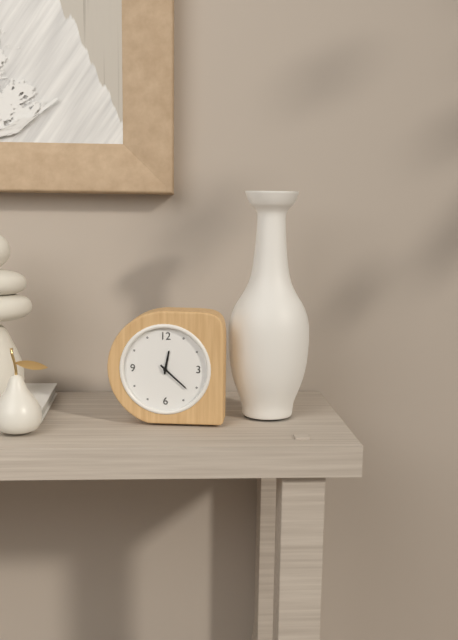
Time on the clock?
12:22
